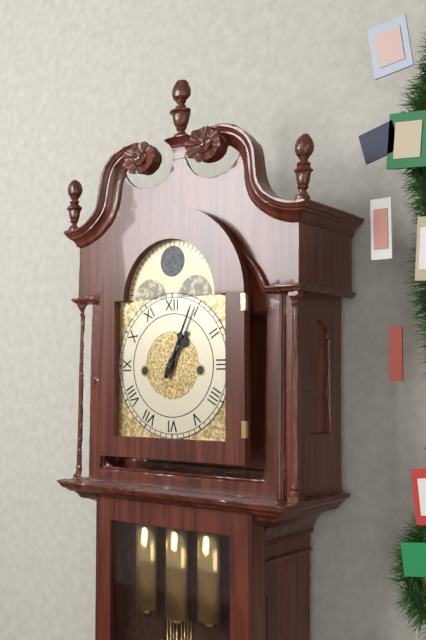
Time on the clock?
1:04
